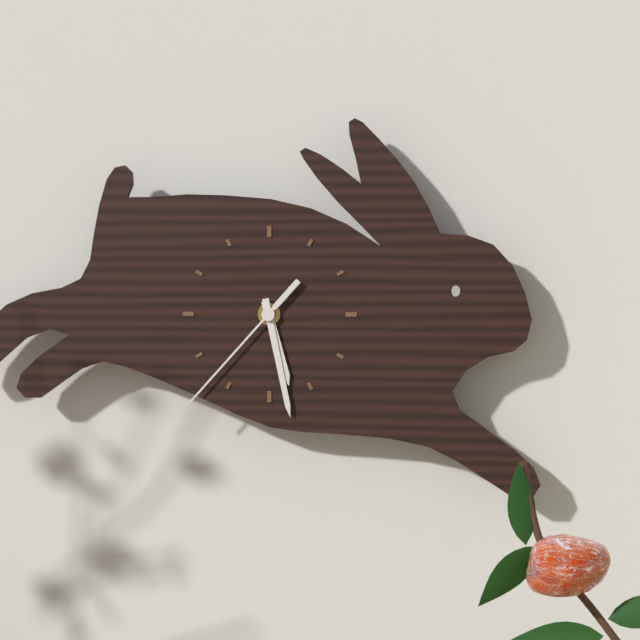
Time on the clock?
5:28:37
